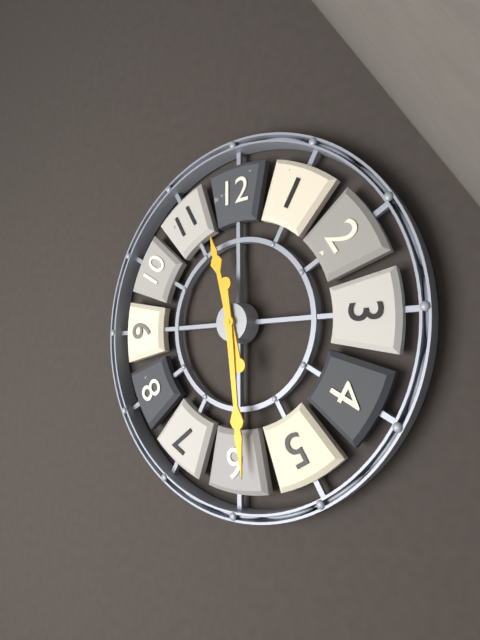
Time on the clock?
11:29
